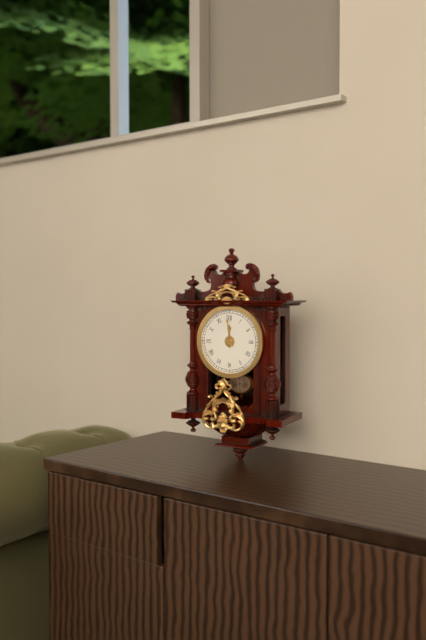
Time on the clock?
11:59
